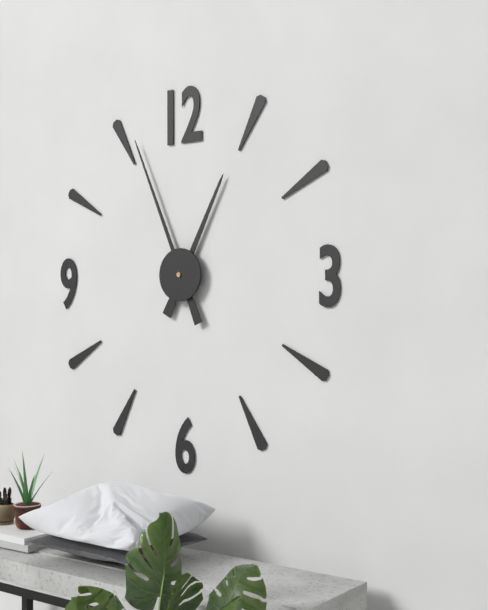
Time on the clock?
12:56
